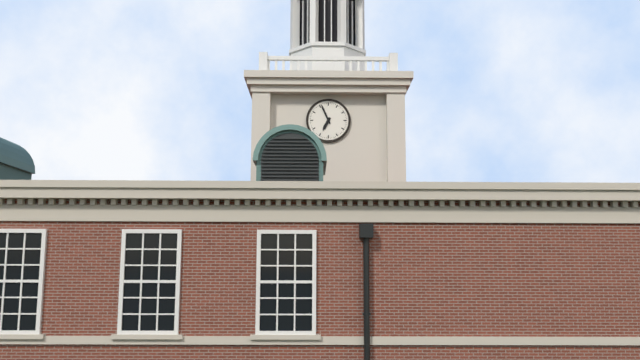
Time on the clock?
6:56
